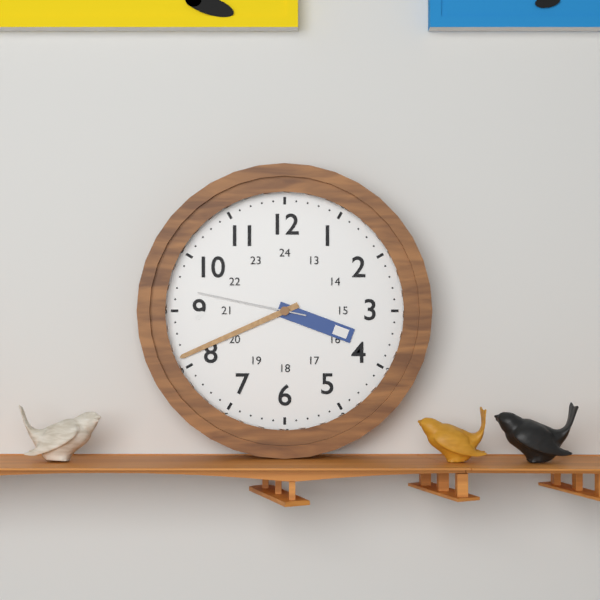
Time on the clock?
3:41:47
